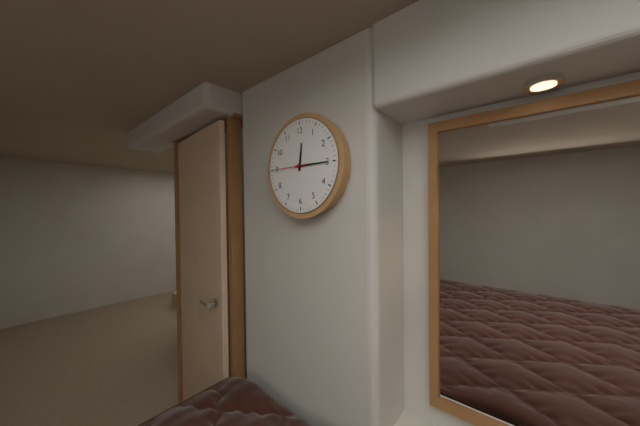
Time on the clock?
12:15
